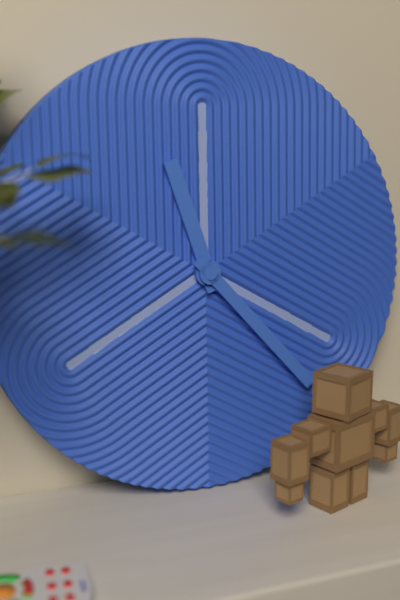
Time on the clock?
11:23
